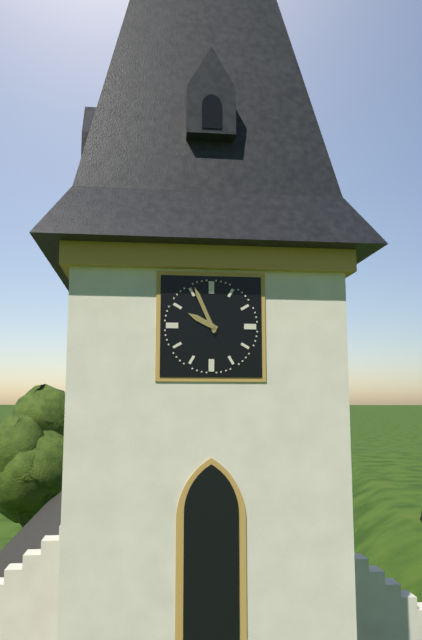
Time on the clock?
9:56
